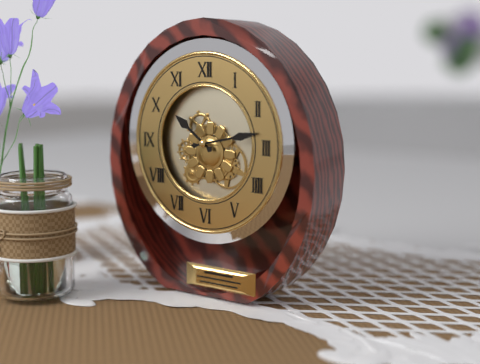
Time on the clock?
10:13
